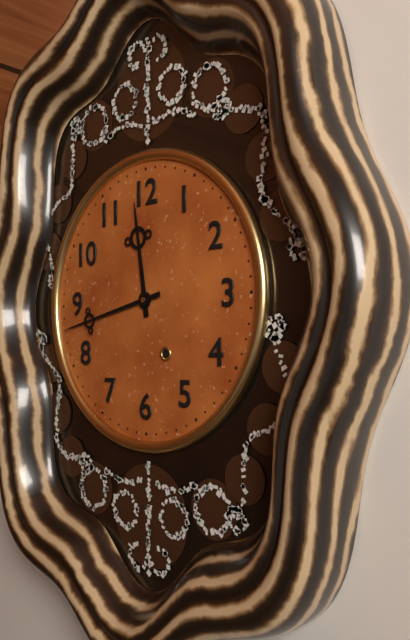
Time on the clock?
11:43
